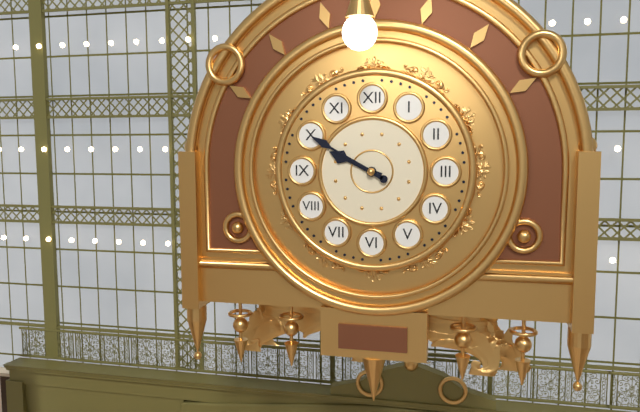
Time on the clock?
9:50
